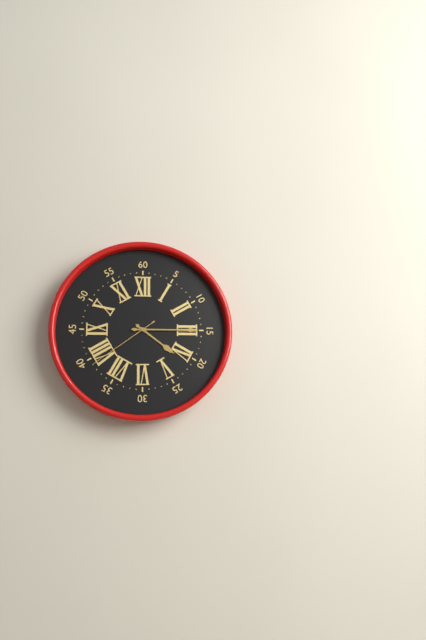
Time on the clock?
4:15:39
